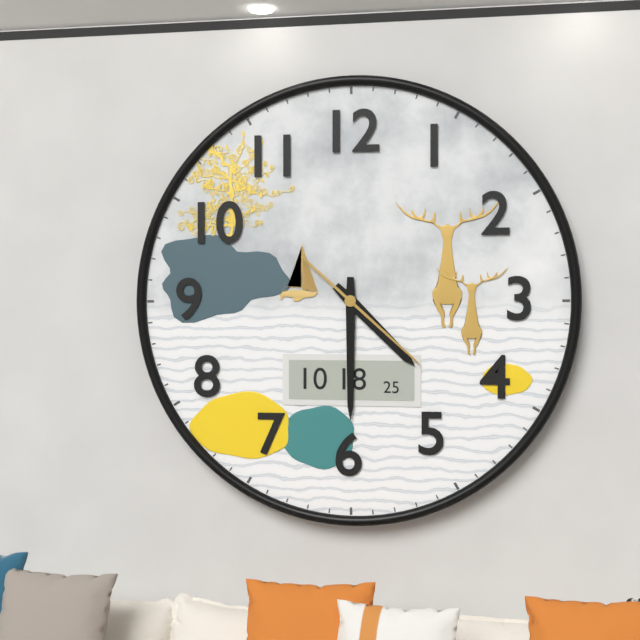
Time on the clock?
4:30:22
